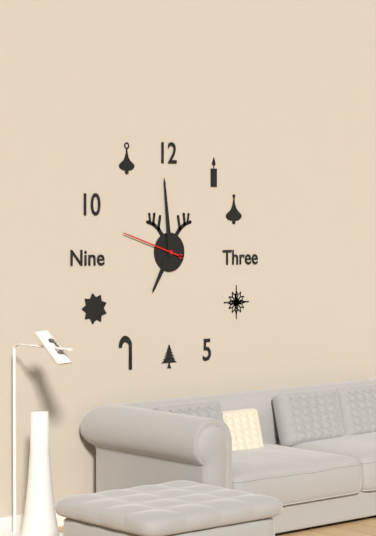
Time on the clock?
6:59:48
